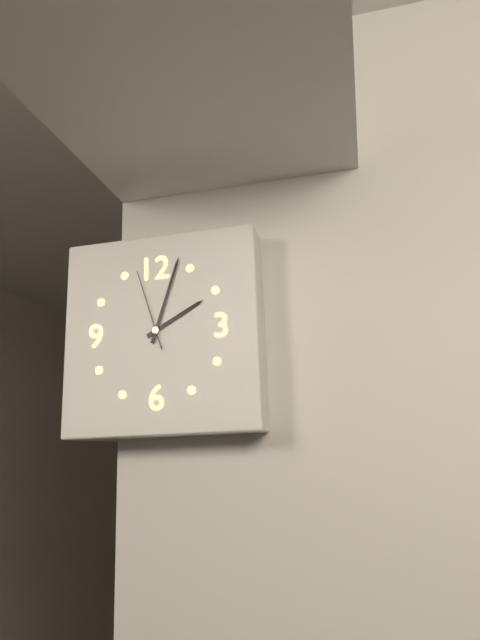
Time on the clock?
2:03:57
